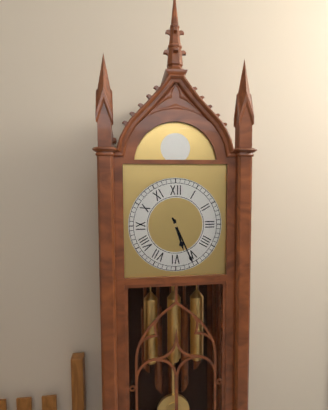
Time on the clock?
5:26
